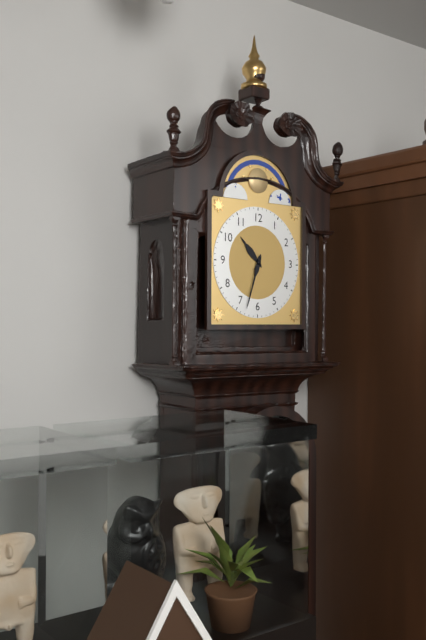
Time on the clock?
10:33
